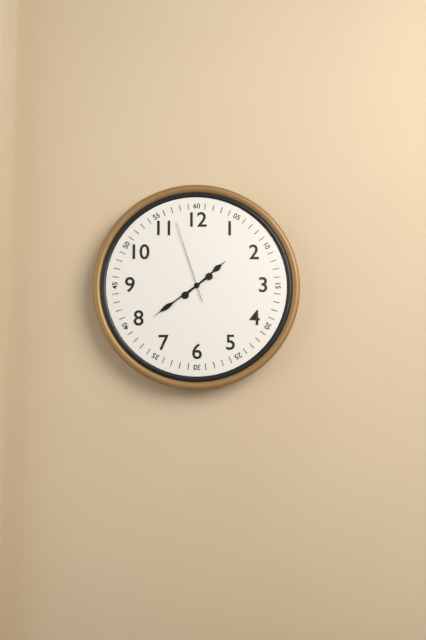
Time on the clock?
1:39:57
